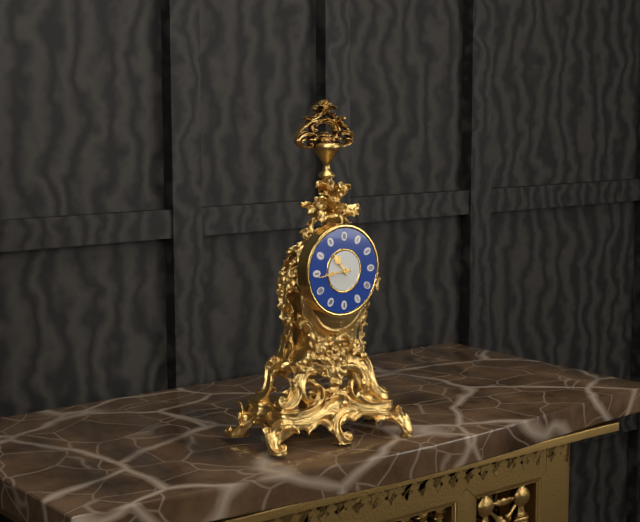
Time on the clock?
10:44
